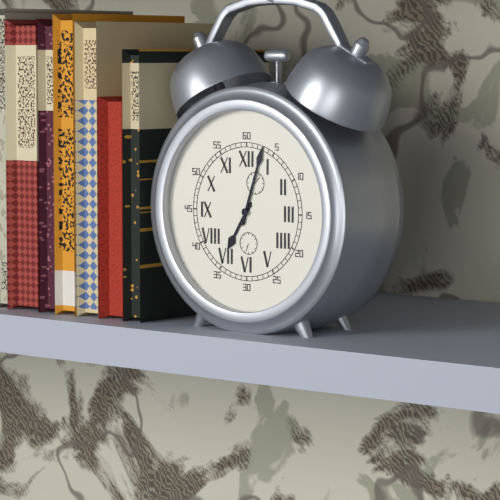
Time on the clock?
7:03
